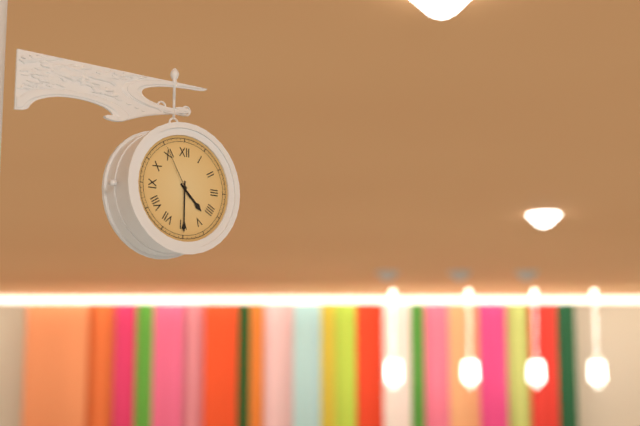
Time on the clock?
4:30:55
